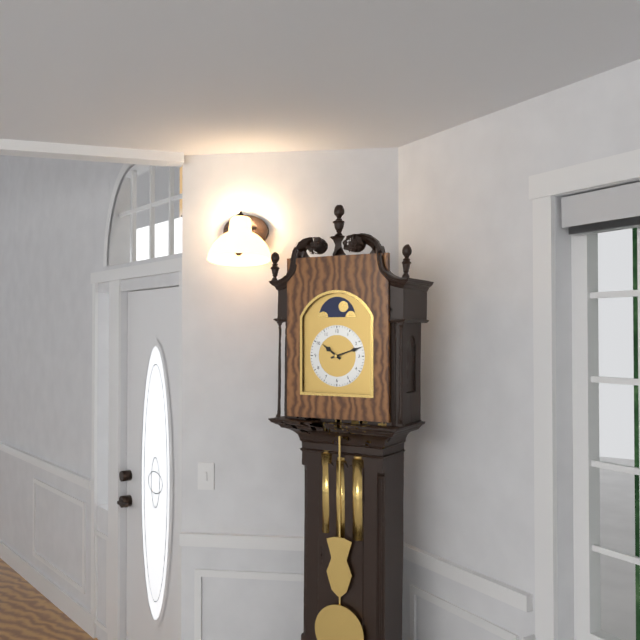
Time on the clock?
10:12
